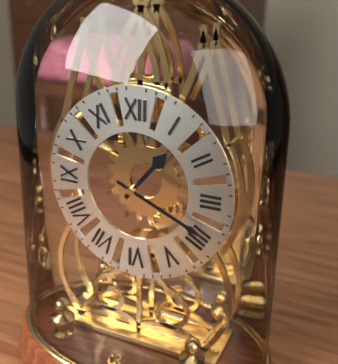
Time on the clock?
1:19
